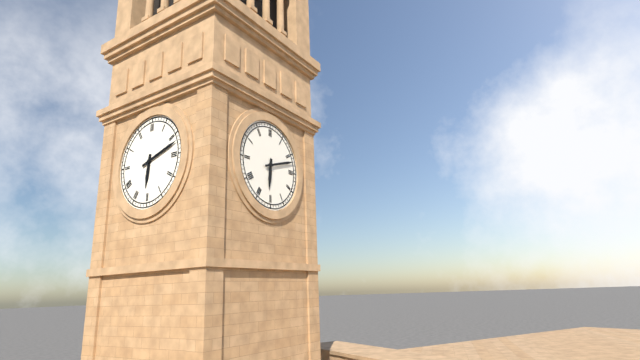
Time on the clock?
6:12
